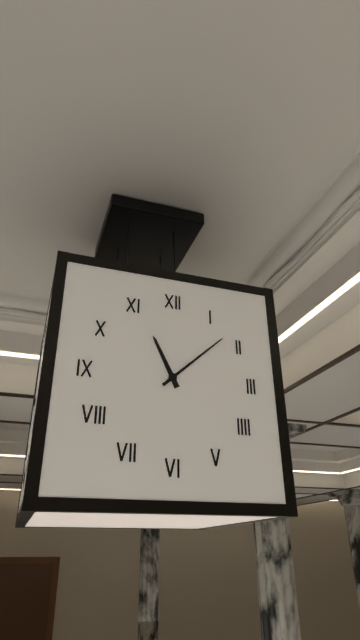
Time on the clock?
11:08
